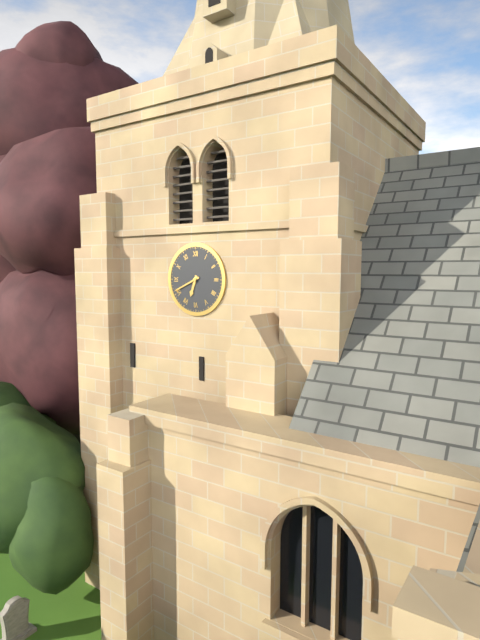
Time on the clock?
6:41
